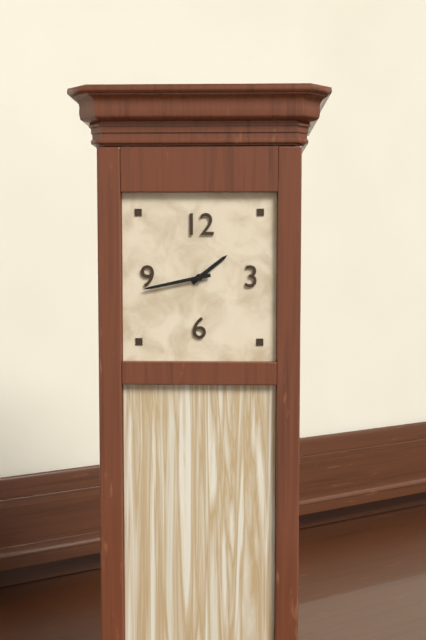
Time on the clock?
1:43
